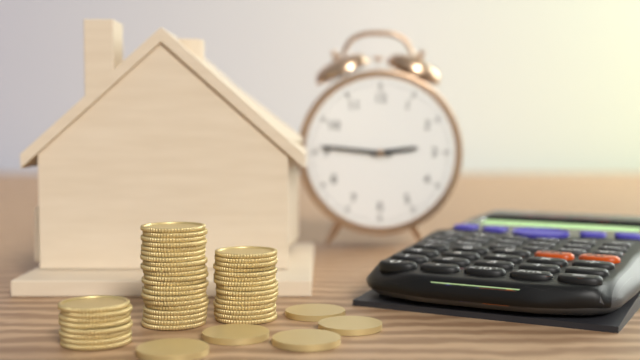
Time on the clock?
2:46
